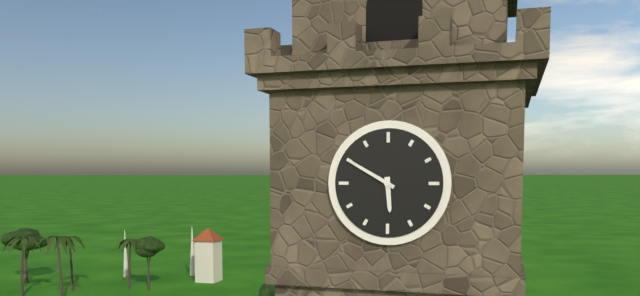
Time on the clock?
5:50
